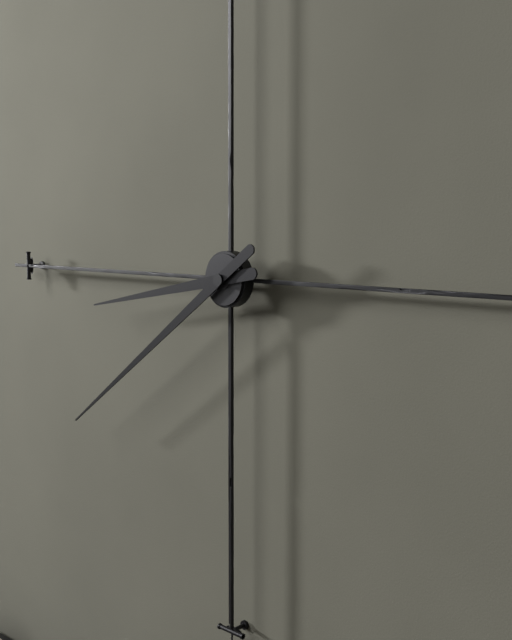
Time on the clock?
8:39
